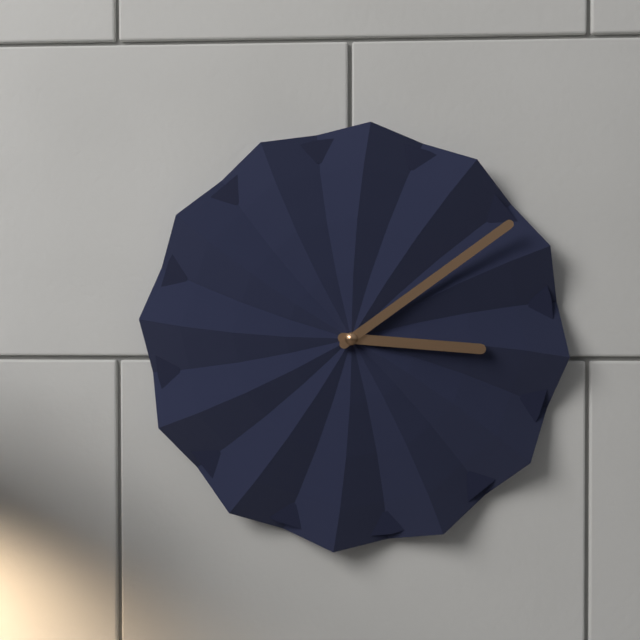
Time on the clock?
3:09
